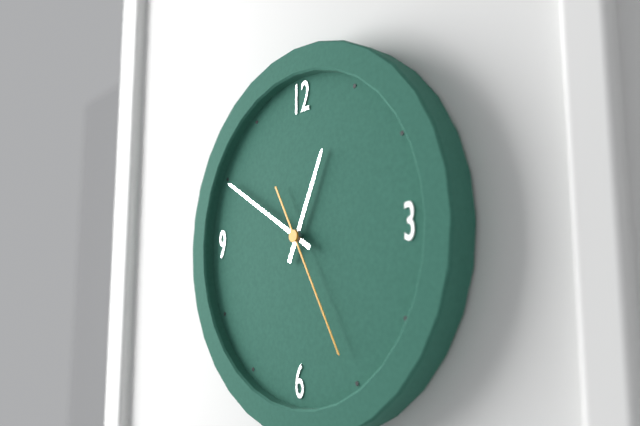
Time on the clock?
12:50:25
